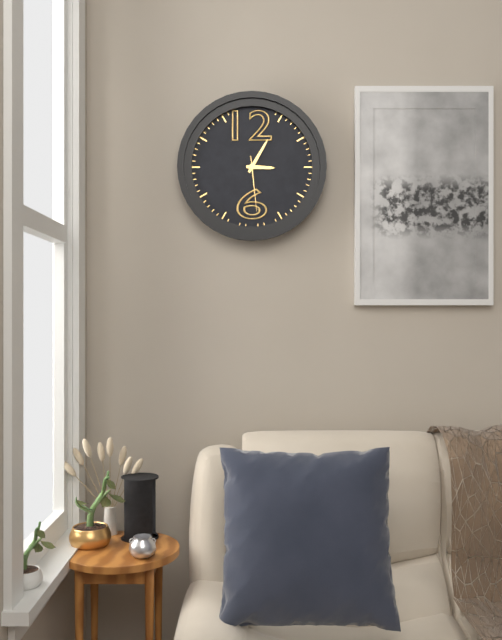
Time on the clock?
3:05:29
